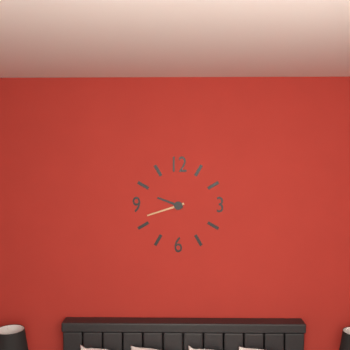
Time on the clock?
9:42
